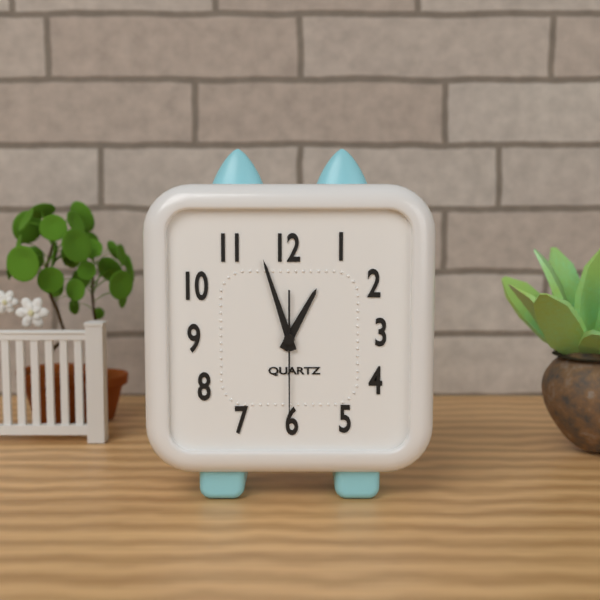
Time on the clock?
12:57:30
